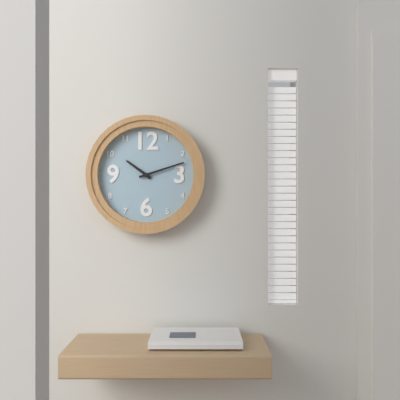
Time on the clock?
10:12
